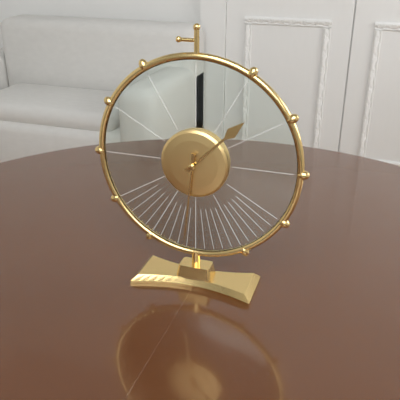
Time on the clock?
1:31
